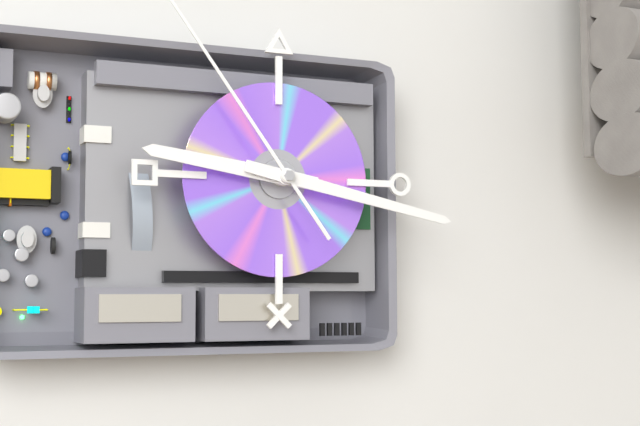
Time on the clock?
9:17
